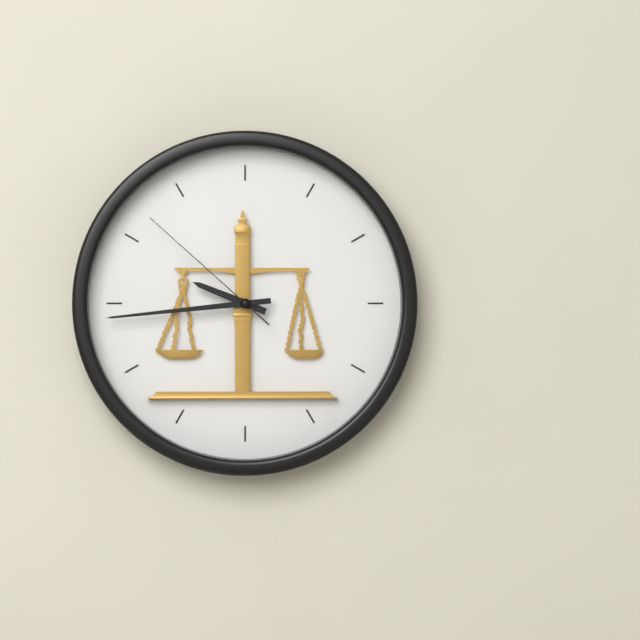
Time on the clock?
9:44:52
